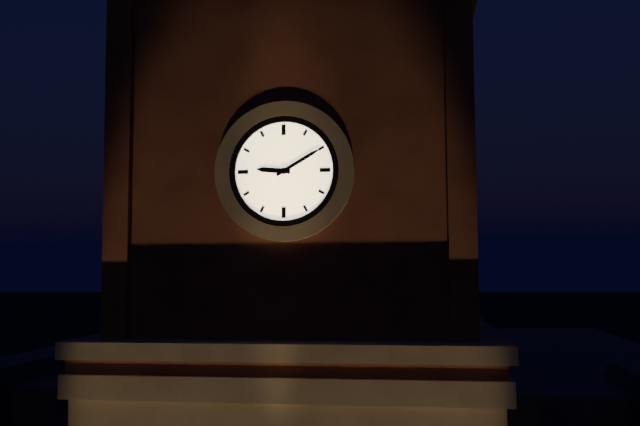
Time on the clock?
9:10
